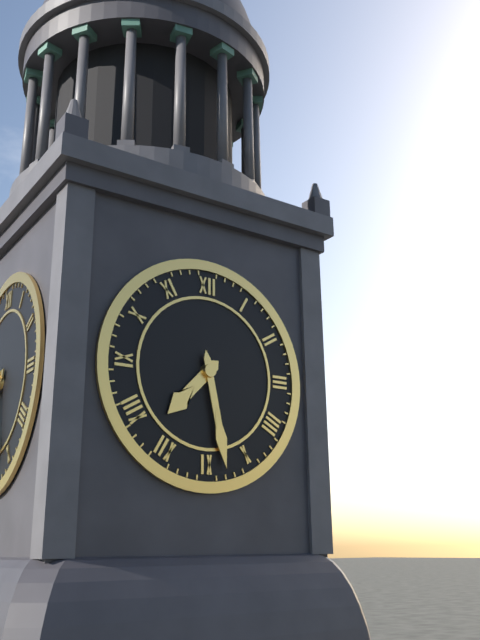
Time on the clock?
7:28
